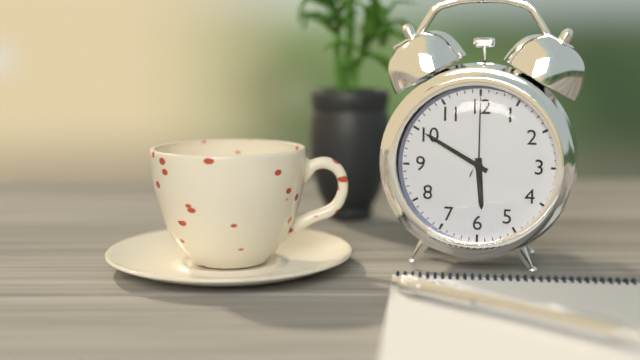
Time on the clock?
5:50:00
